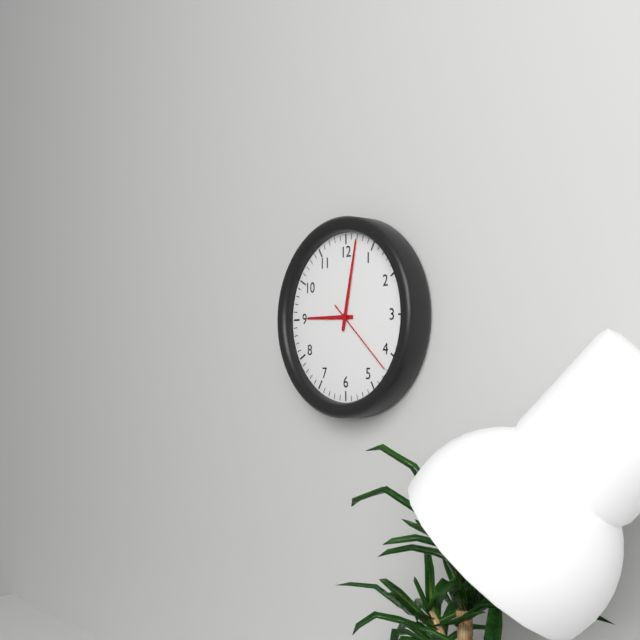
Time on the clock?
9:02:22
